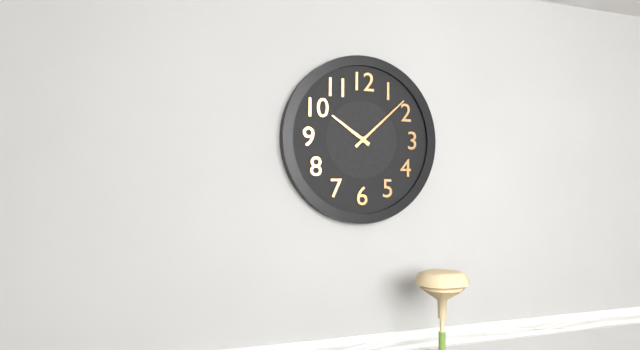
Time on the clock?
10:08
